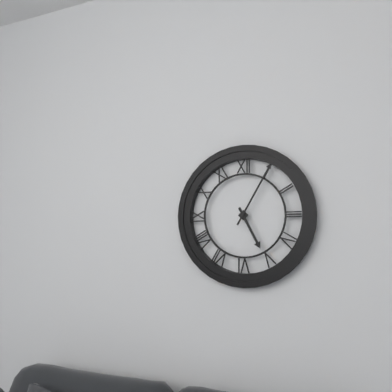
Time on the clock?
5:05
